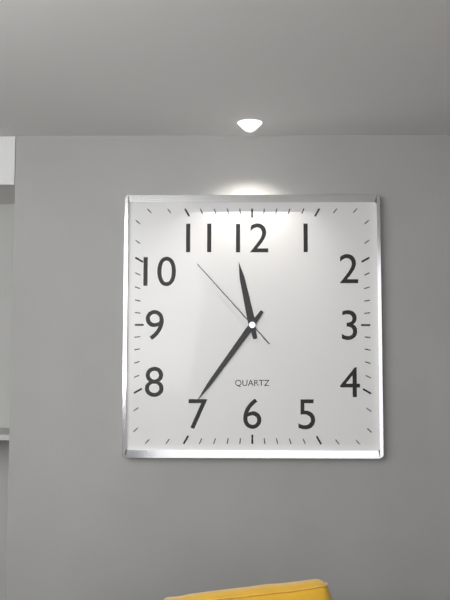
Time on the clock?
11:36:53
